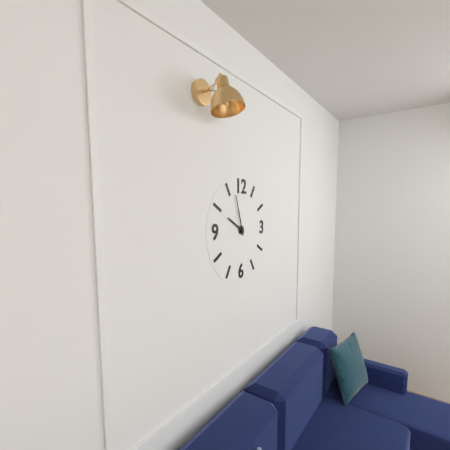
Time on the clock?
9:57
